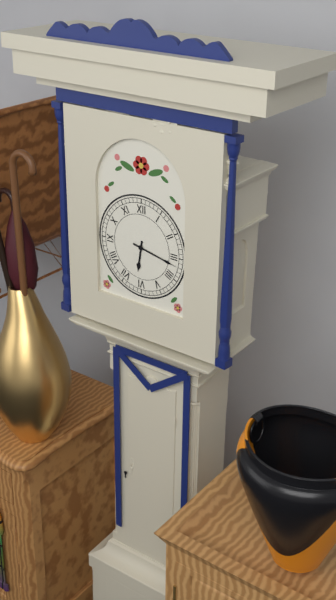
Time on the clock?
6:17
